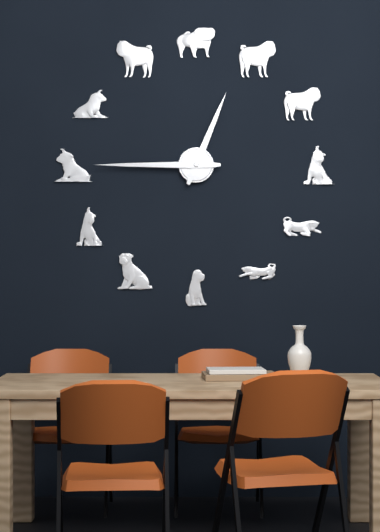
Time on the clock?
12:45
